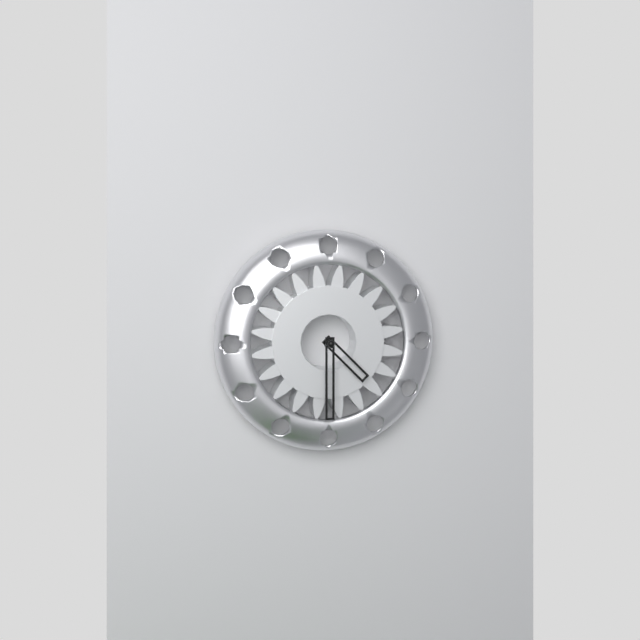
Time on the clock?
4:30
